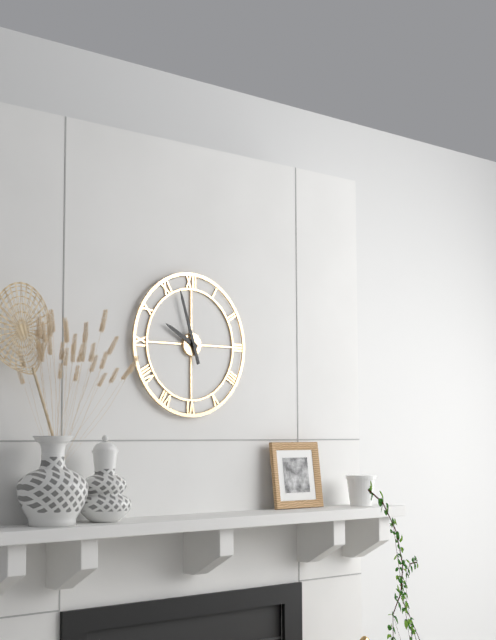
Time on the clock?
9:57
